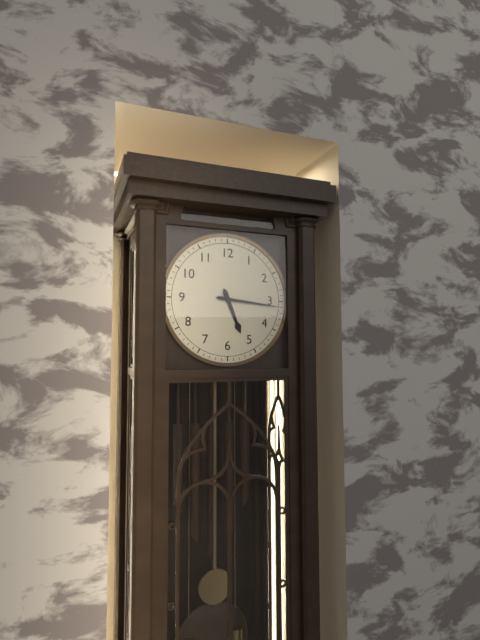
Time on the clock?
5:16
